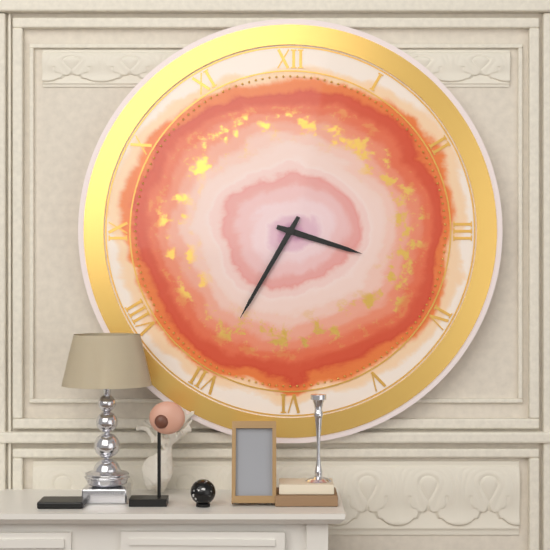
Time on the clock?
3:35
